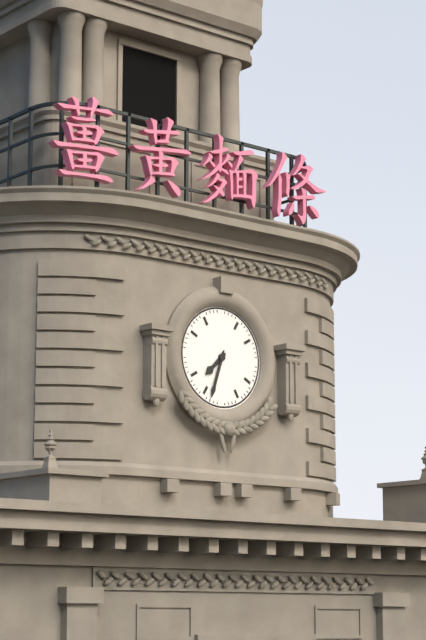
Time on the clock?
7:33
